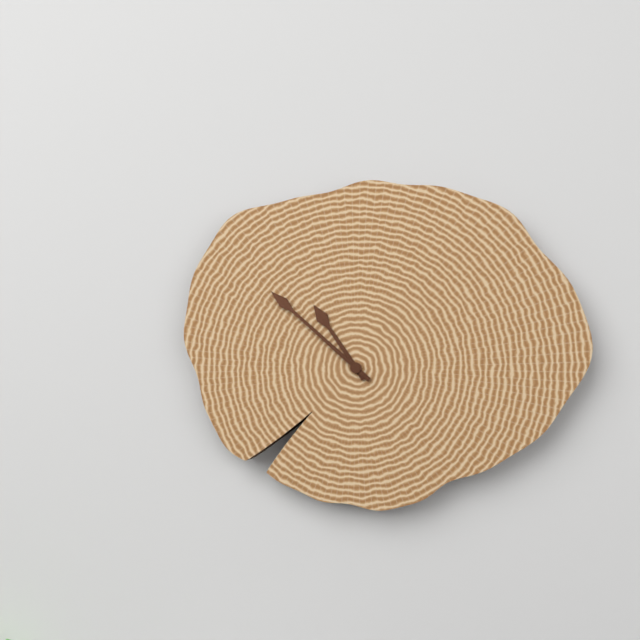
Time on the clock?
10:52
